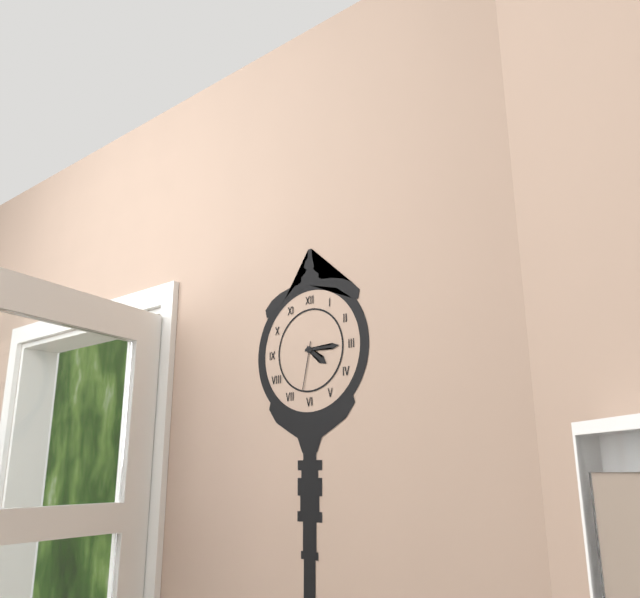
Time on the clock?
4:15:32
